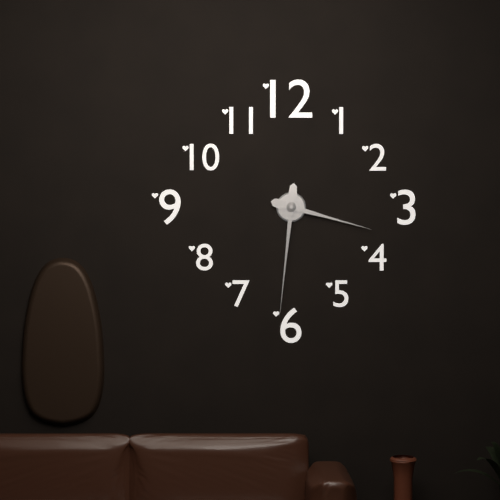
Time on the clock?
3:31
